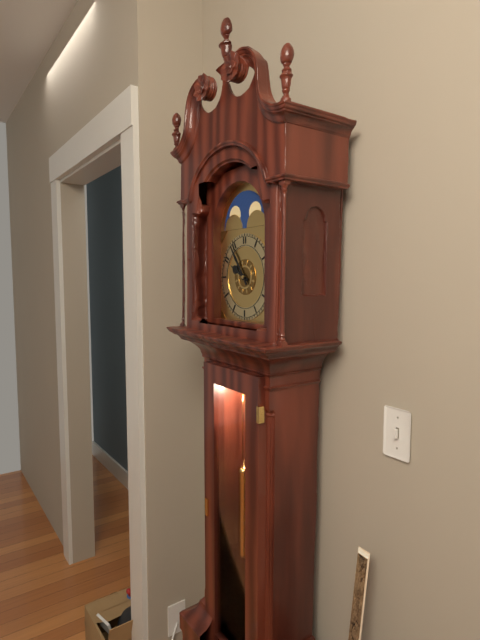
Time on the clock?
9:54
